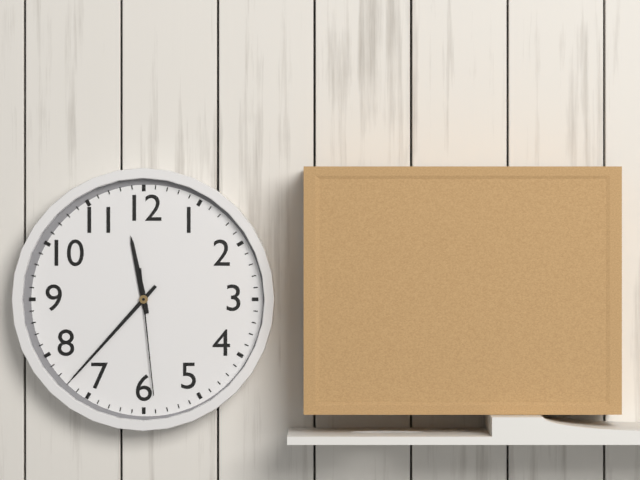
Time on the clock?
11:37:29
